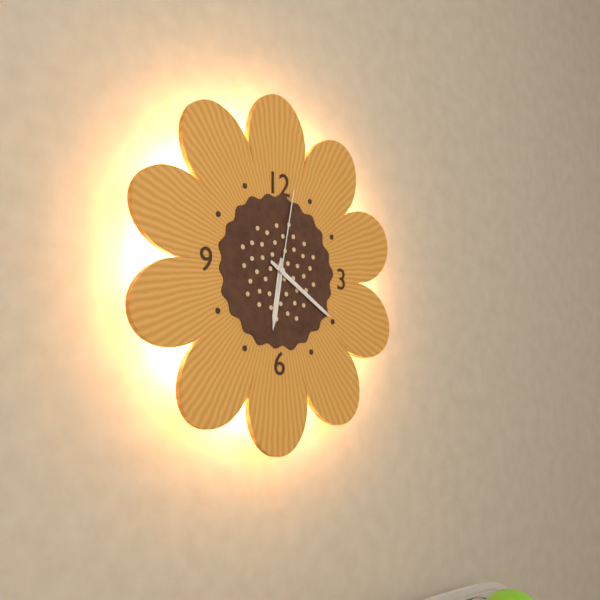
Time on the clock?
6:20:02
